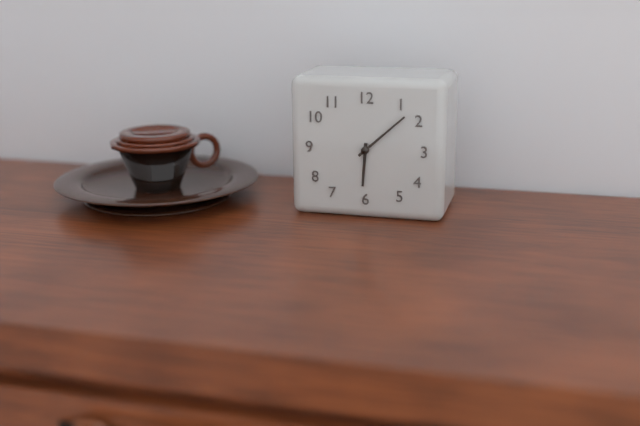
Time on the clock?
6:08
